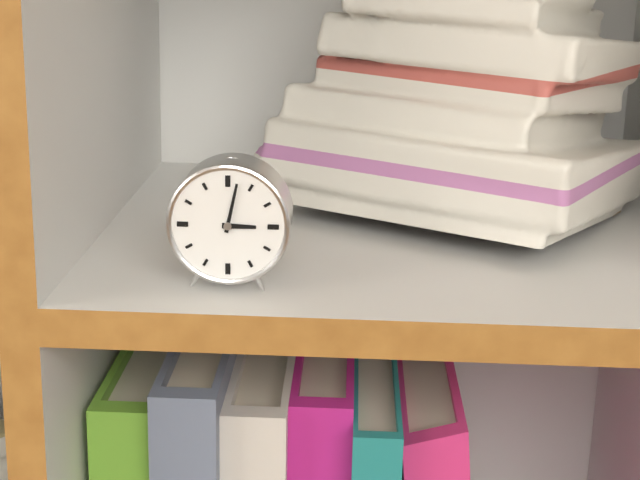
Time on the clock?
3:02
